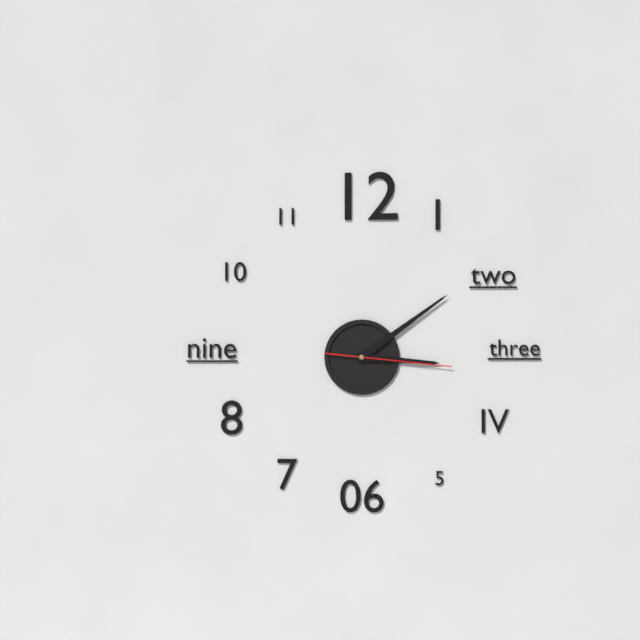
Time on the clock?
3:09:16
